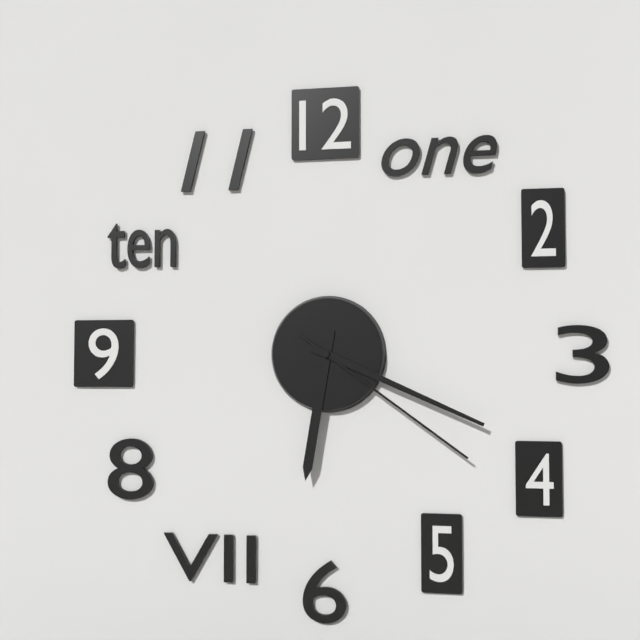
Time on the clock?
6:19:21
